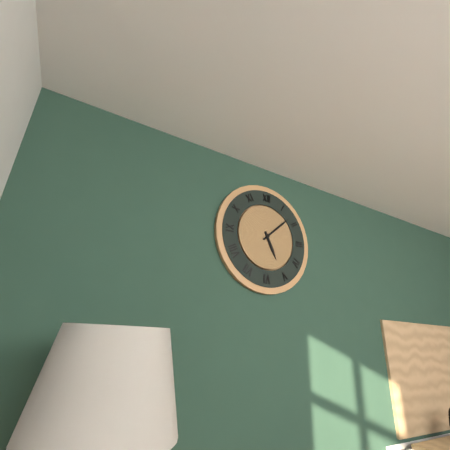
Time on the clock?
5:08
